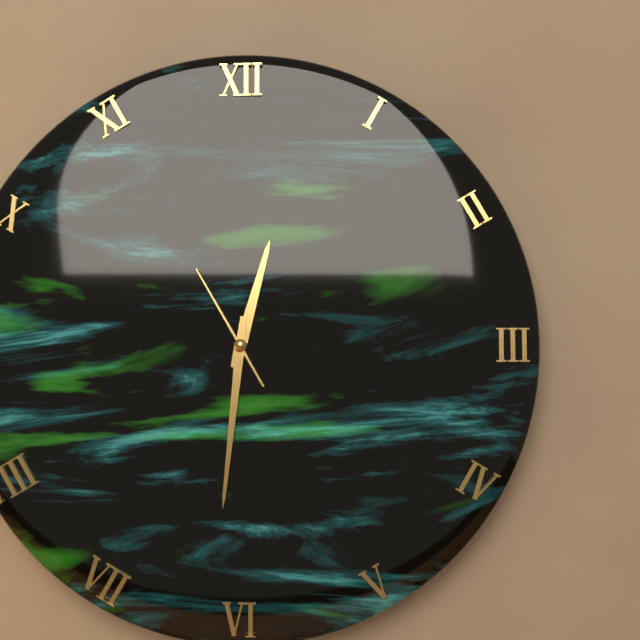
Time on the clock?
12:31:55
